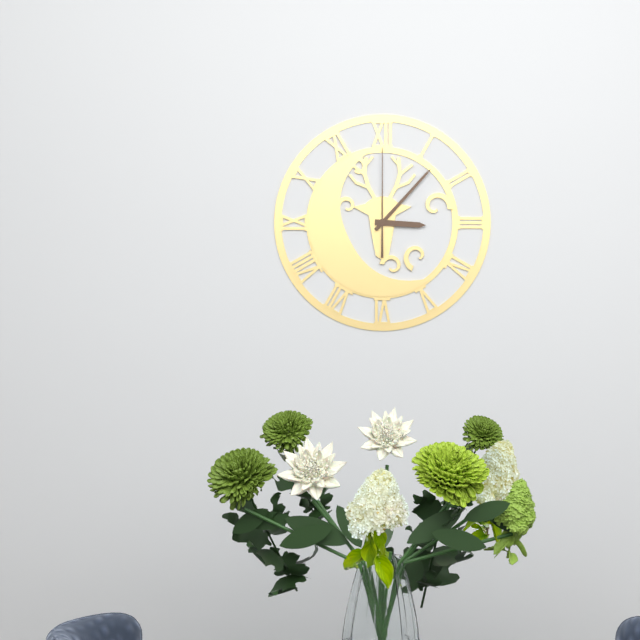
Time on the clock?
3:07:00
